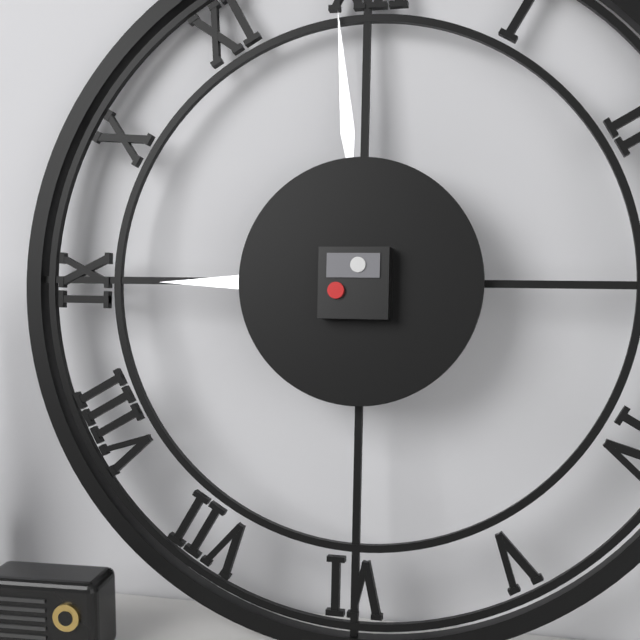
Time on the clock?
8:59
